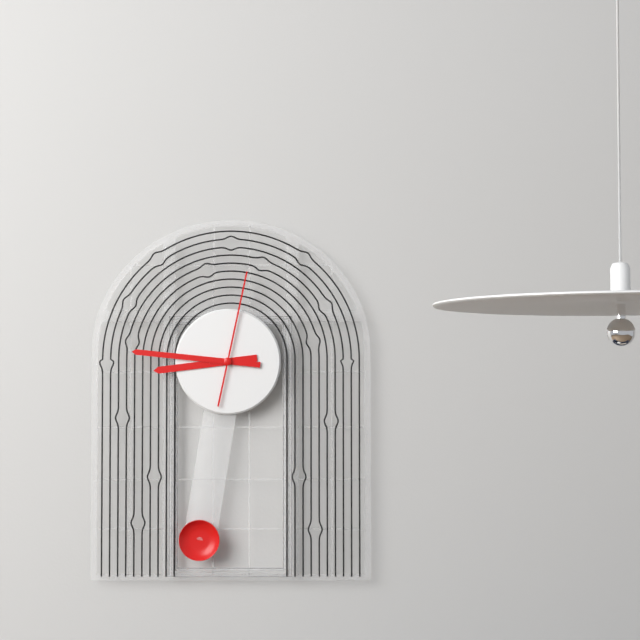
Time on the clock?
8:46:02
